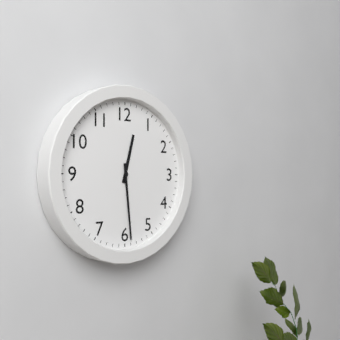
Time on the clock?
12:29
